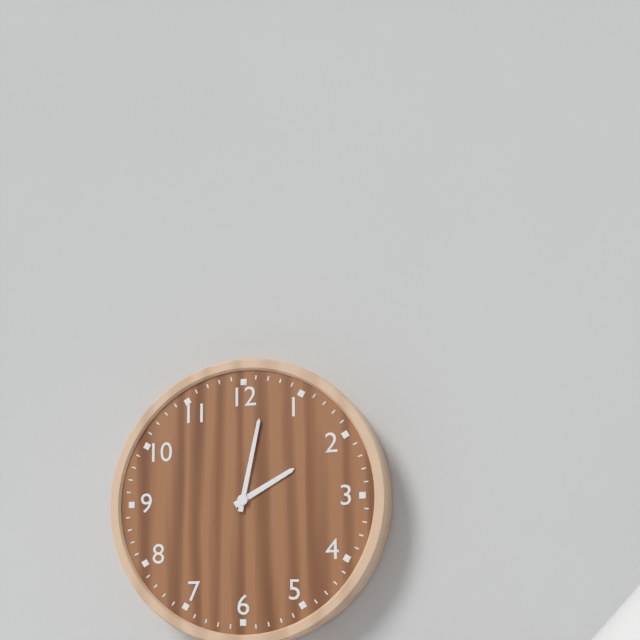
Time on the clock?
2:02
